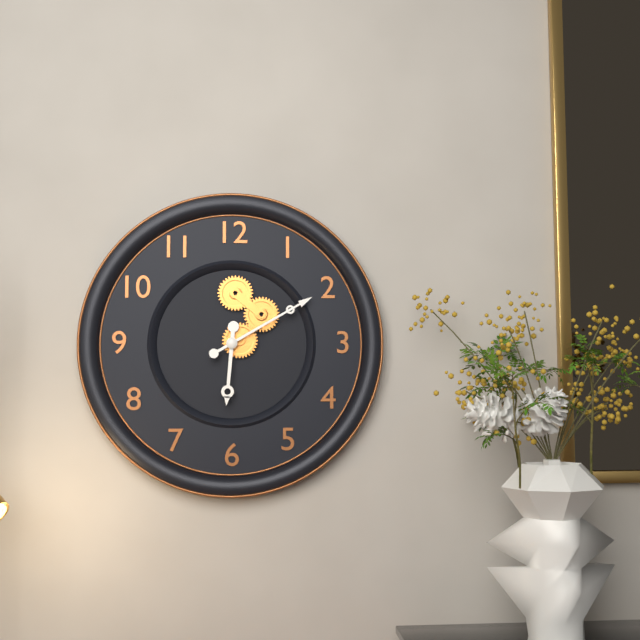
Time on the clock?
6:10
